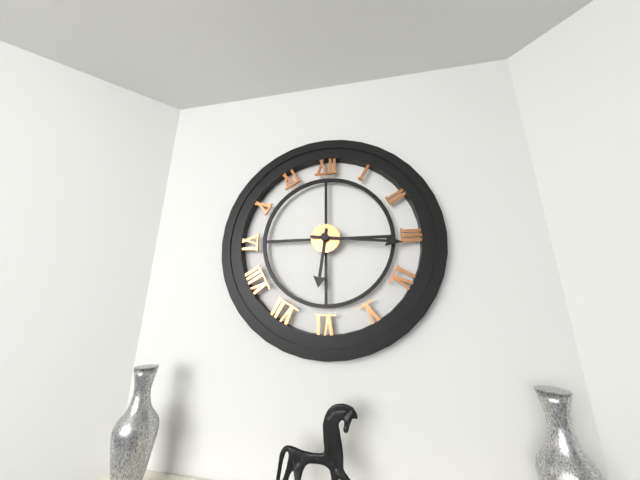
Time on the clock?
6:16
